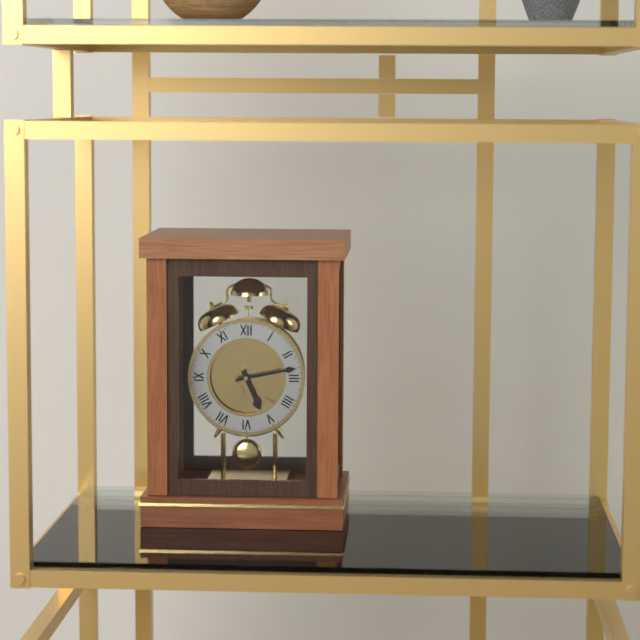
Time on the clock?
5:13
